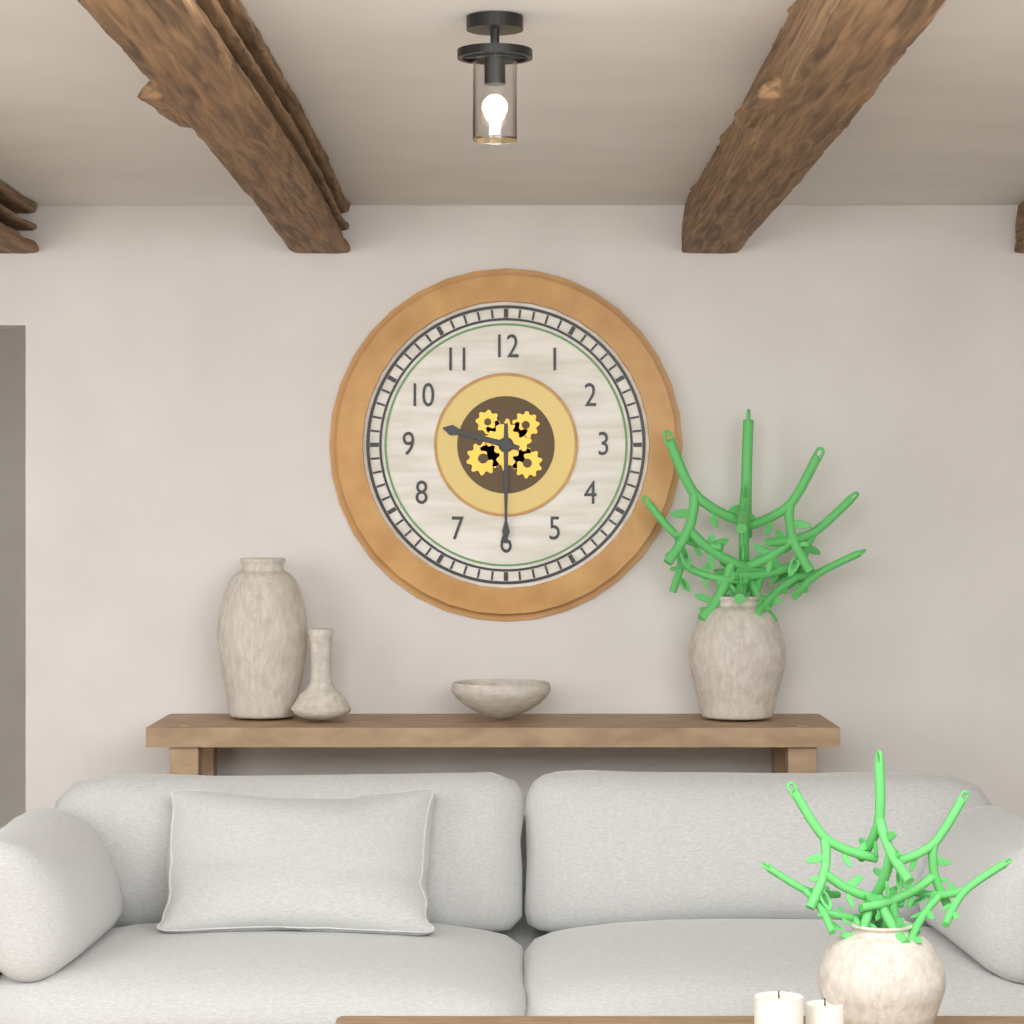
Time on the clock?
9:30
